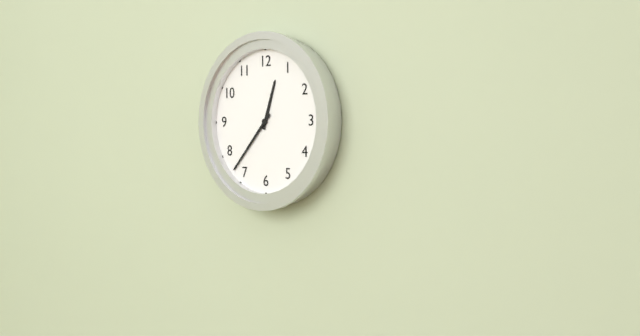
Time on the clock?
12:37
